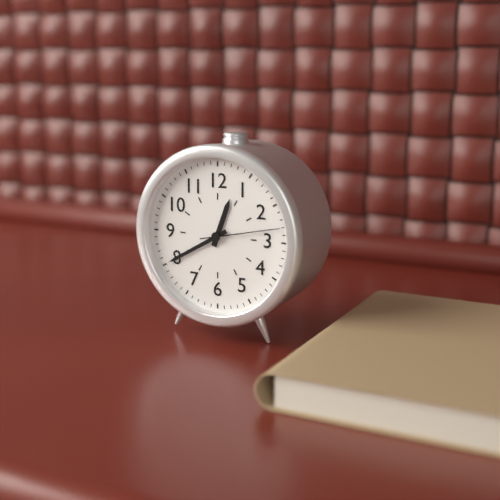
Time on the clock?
12:40:13
